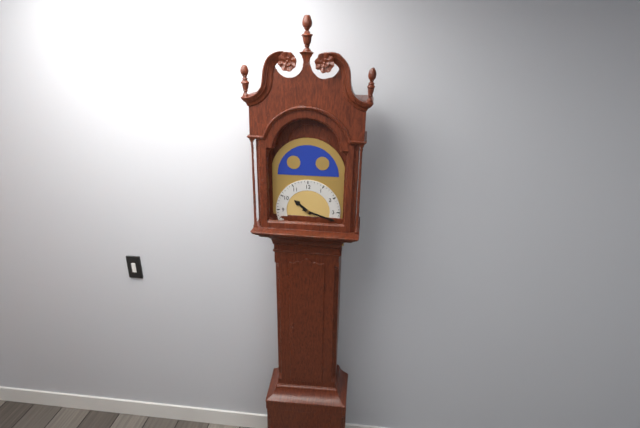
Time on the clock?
10:18
